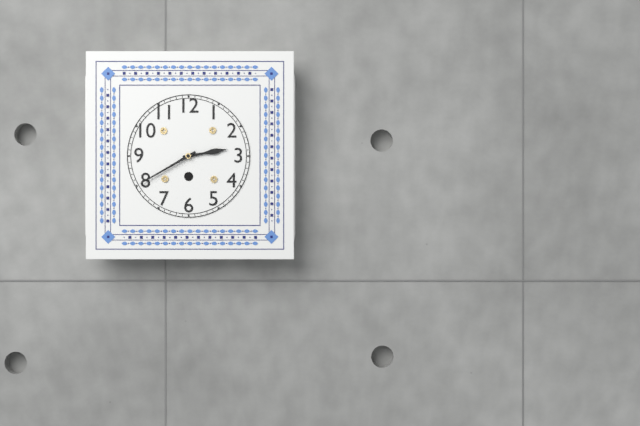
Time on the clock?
2:40
